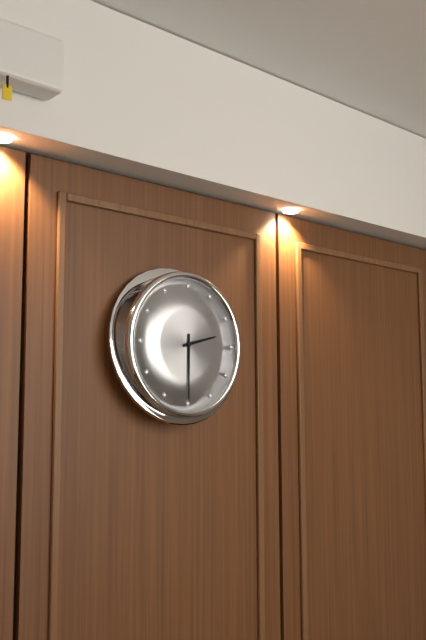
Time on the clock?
2:30
